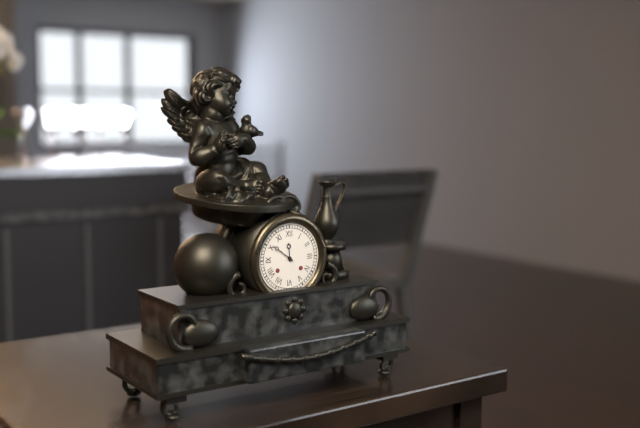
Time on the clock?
11:51
